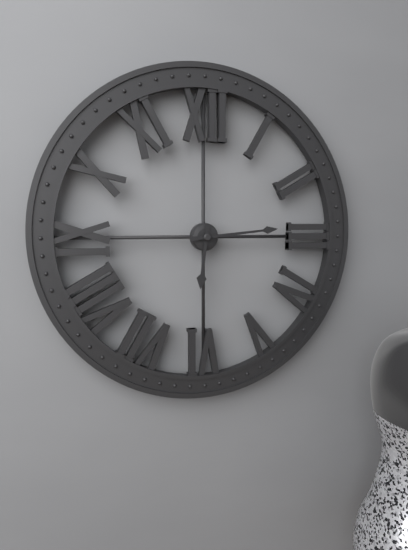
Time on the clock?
6:14
